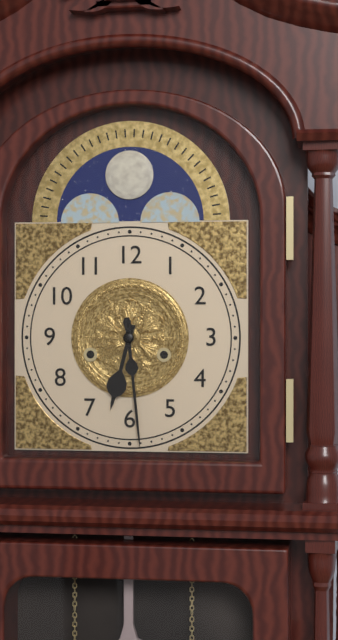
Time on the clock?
6:29
